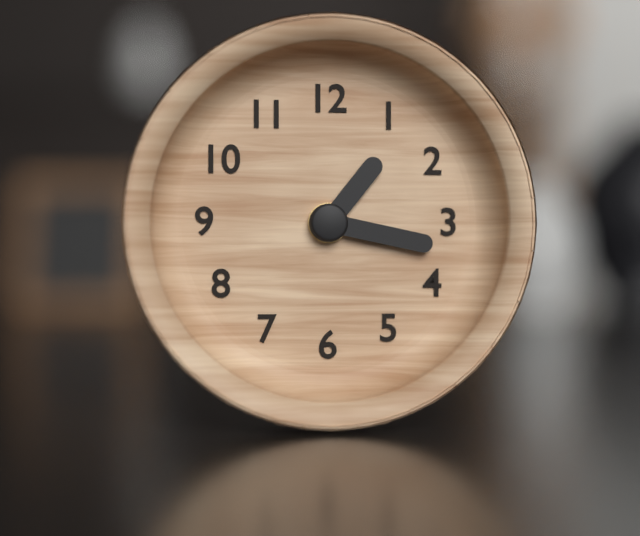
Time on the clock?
1:17
